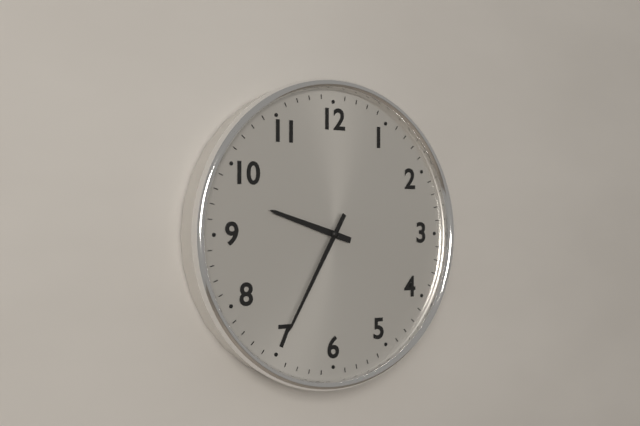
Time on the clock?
9:35
